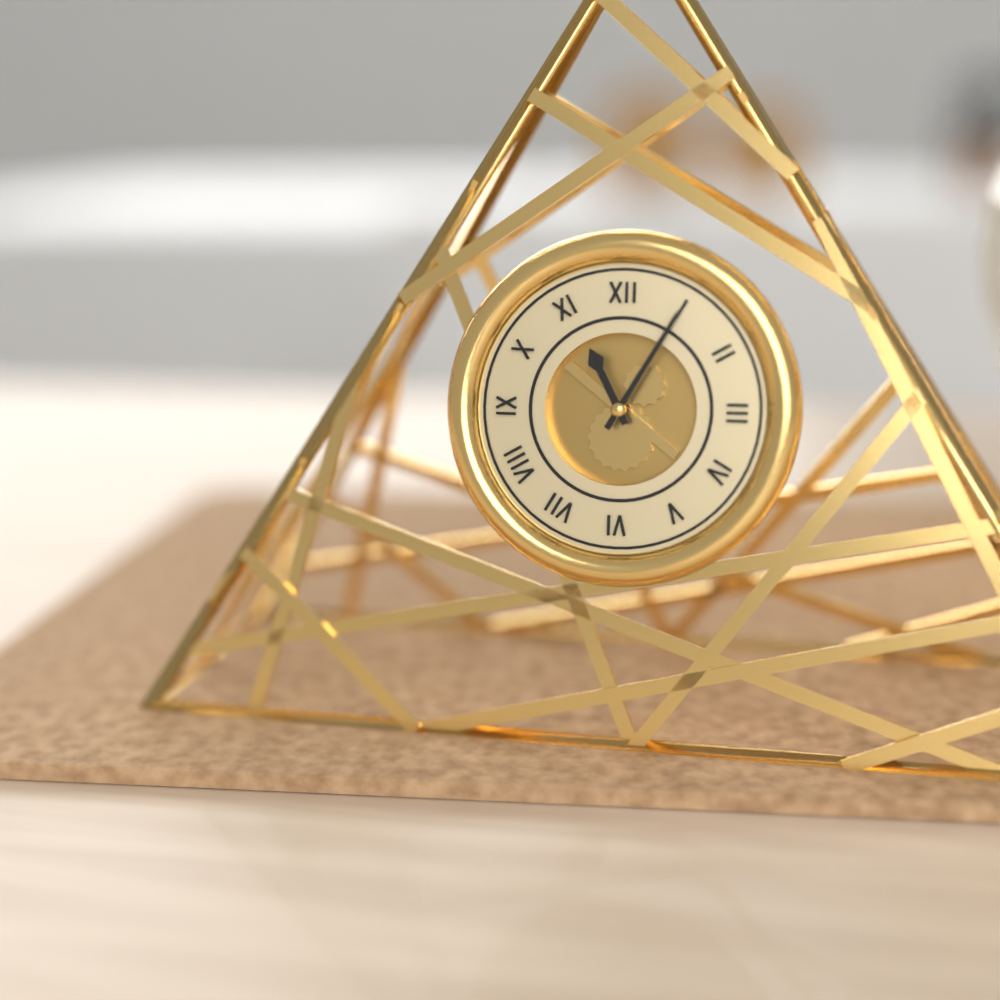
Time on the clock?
11:05
